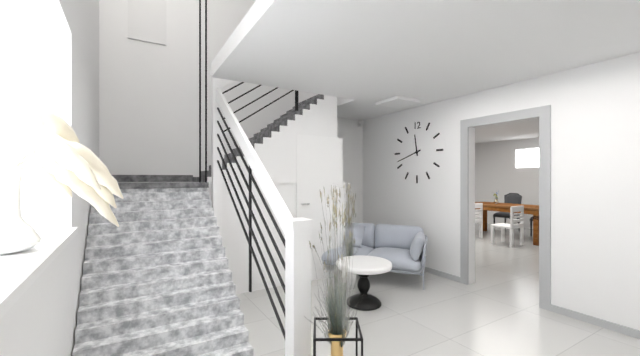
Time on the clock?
11:42
